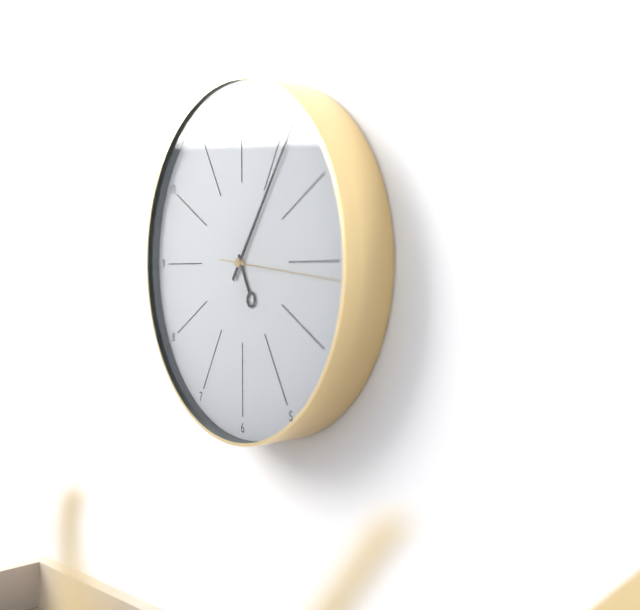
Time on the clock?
5:06:16
